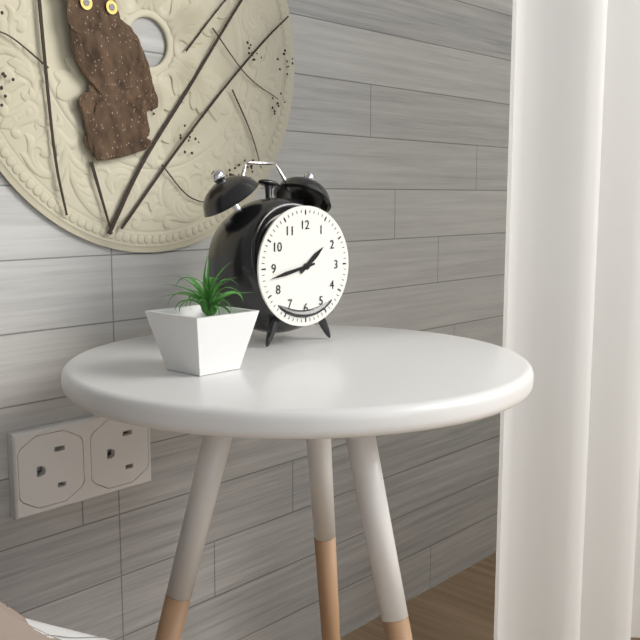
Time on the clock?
1:43
